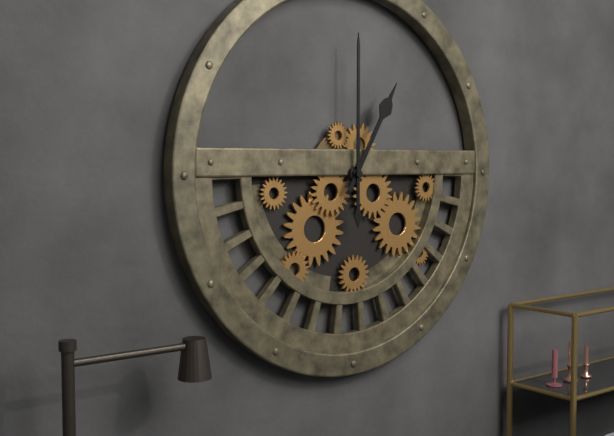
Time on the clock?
1:00
